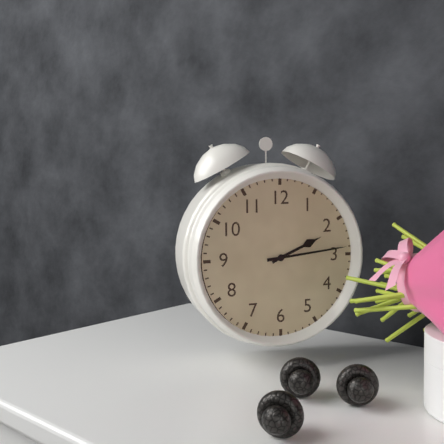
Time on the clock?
2:14
